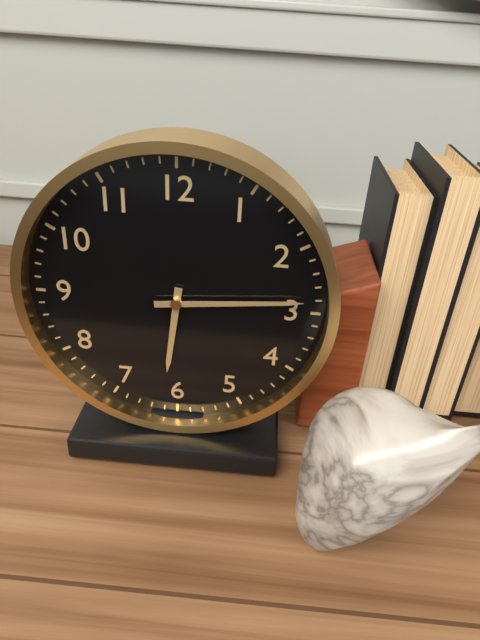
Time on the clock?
6:14
